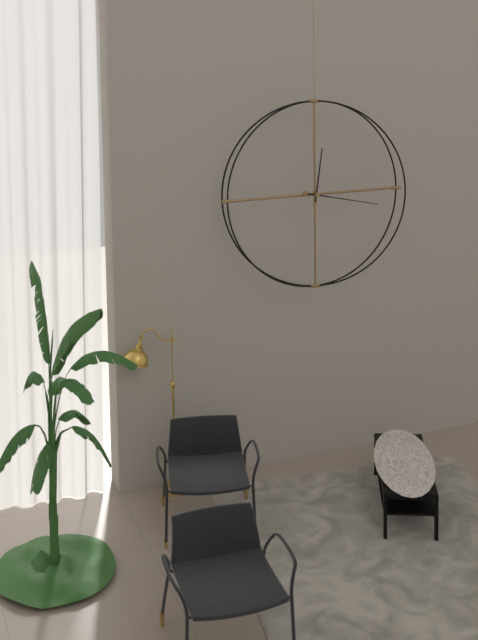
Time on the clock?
12:17
